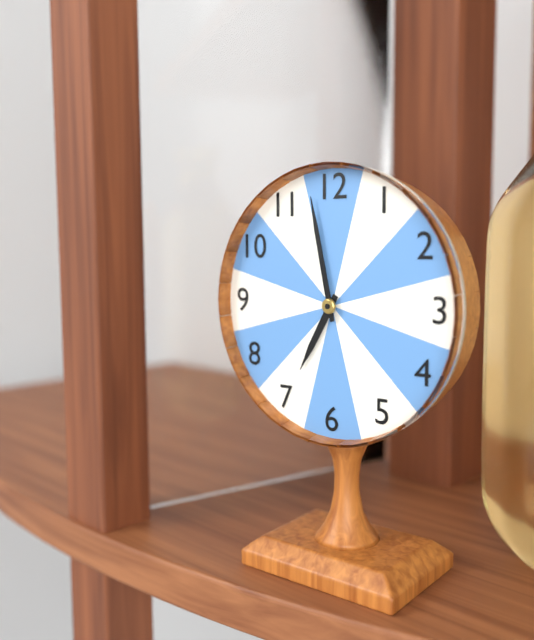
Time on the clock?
6:58
